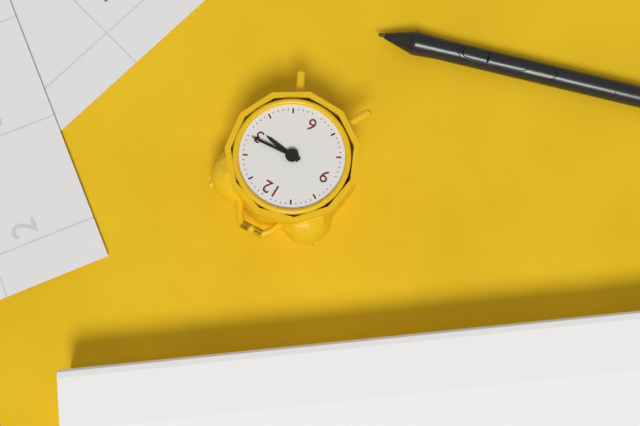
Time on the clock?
3:14
